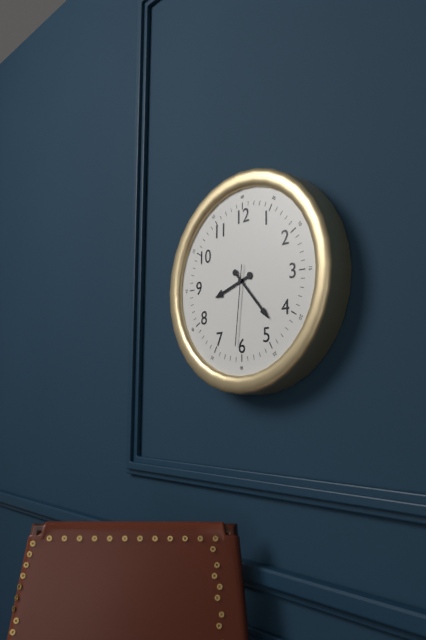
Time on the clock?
8:23:31
